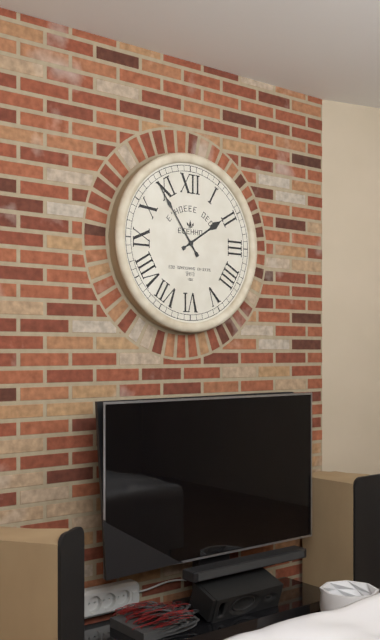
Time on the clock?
1:54
